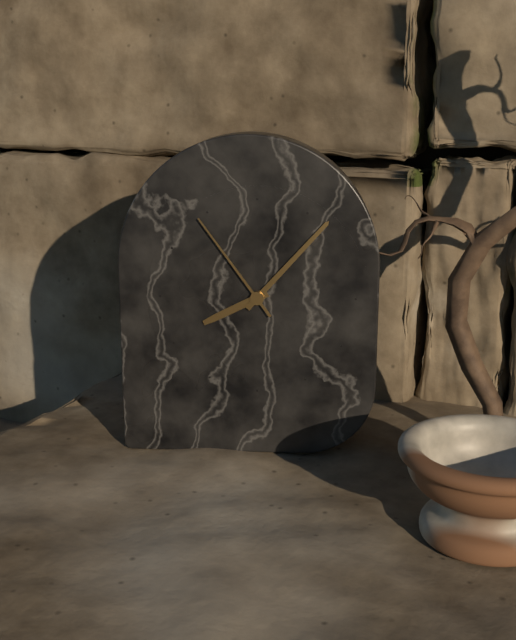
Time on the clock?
8:07:54
